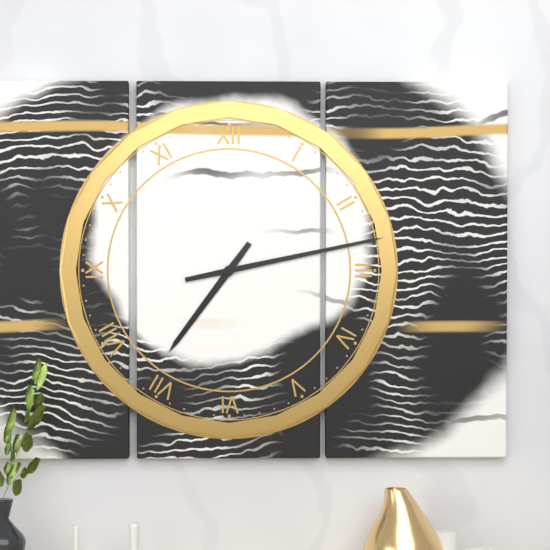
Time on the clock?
7:13
